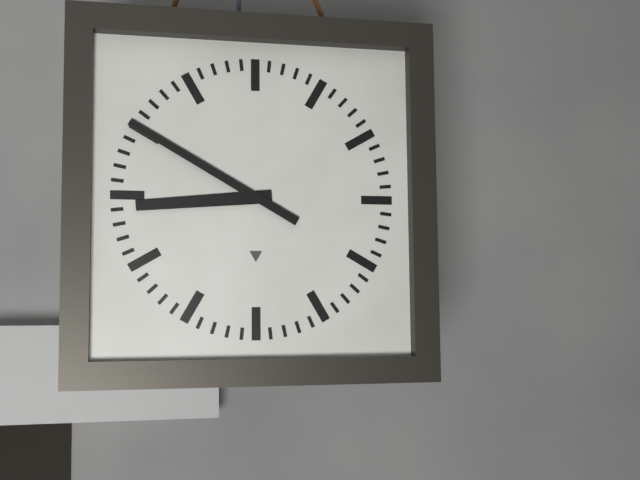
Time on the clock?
8:50
